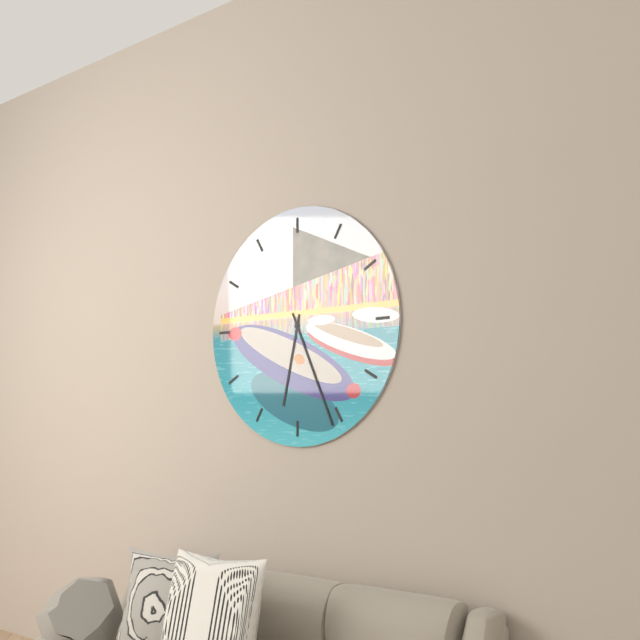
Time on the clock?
6:26
